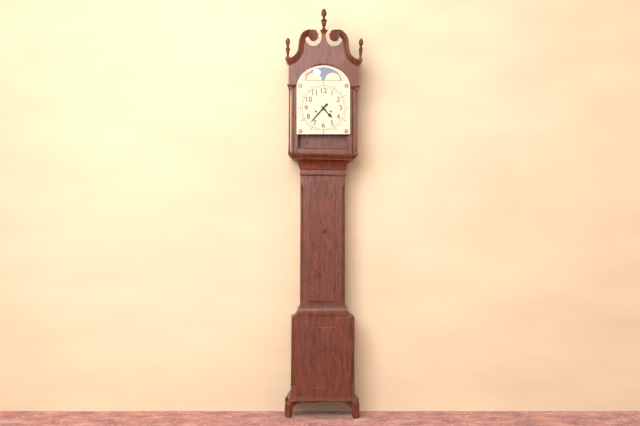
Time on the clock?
4:37
